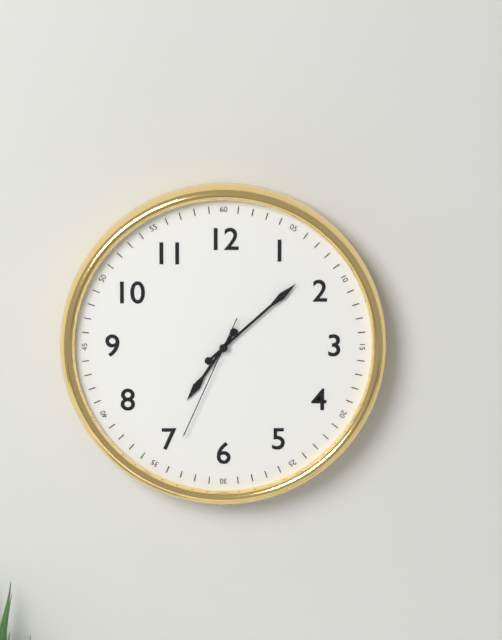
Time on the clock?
7:08:34
